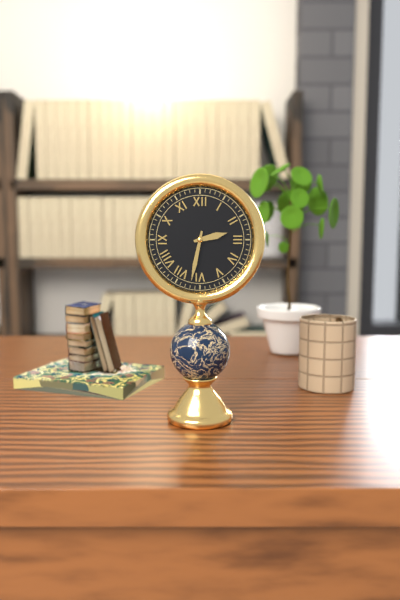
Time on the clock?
2:32
